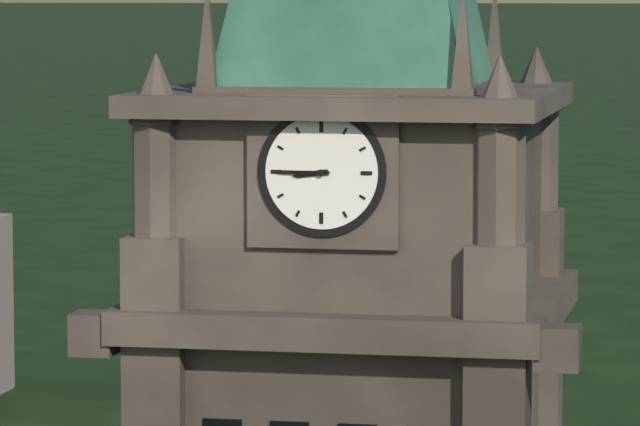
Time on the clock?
8:45
